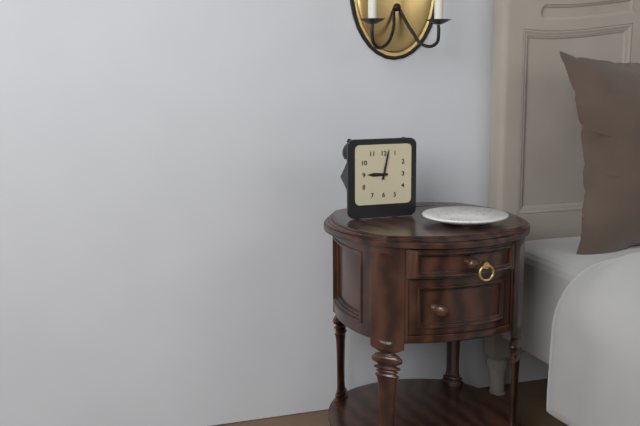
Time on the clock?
9:02
